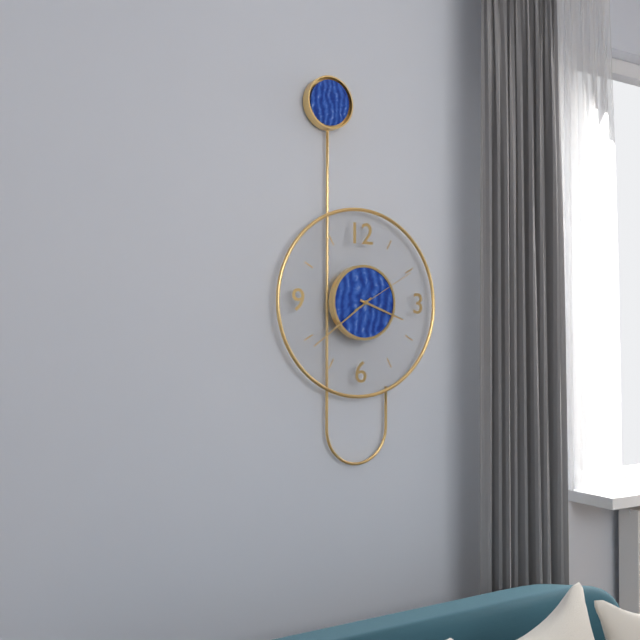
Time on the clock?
3:39:10
